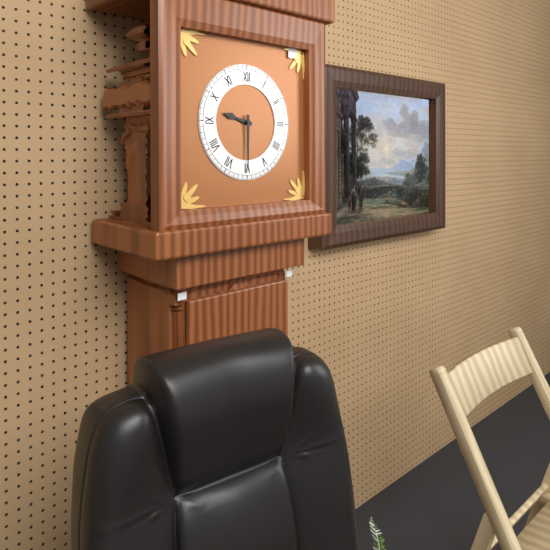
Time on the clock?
9:30
